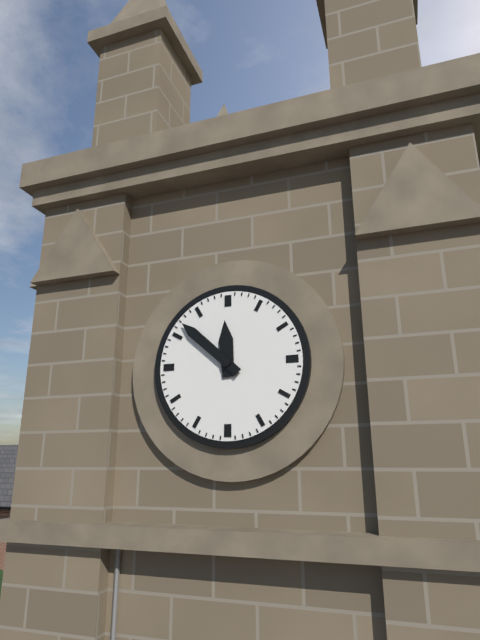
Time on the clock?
11:52
